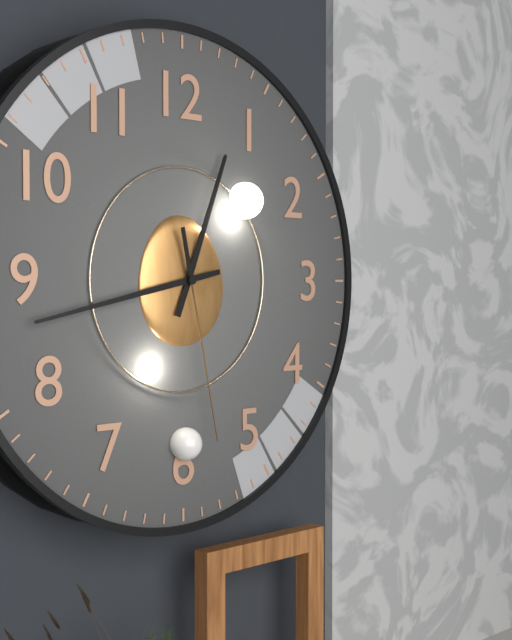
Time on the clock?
12:43:28
